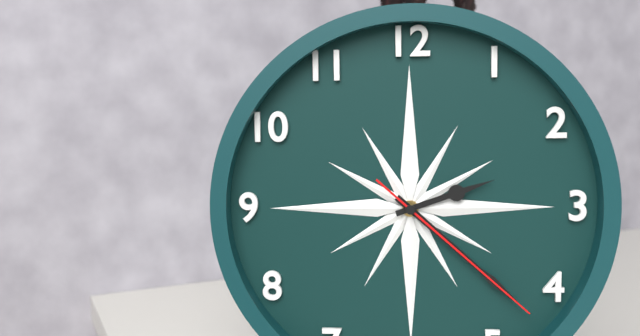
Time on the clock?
2:22:22
